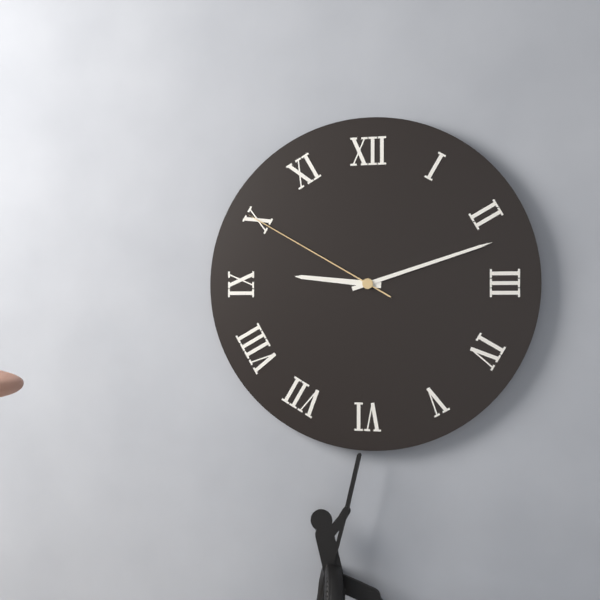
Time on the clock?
9:12:50
